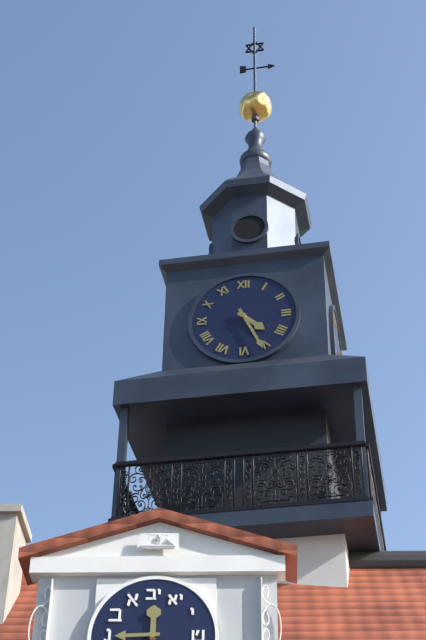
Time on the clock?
4:26
